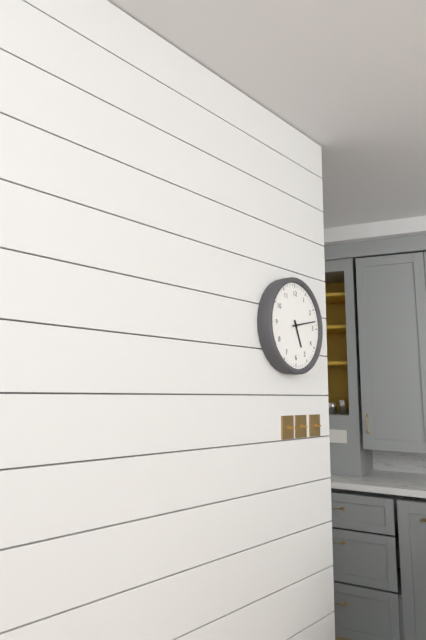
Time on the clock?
5:13
